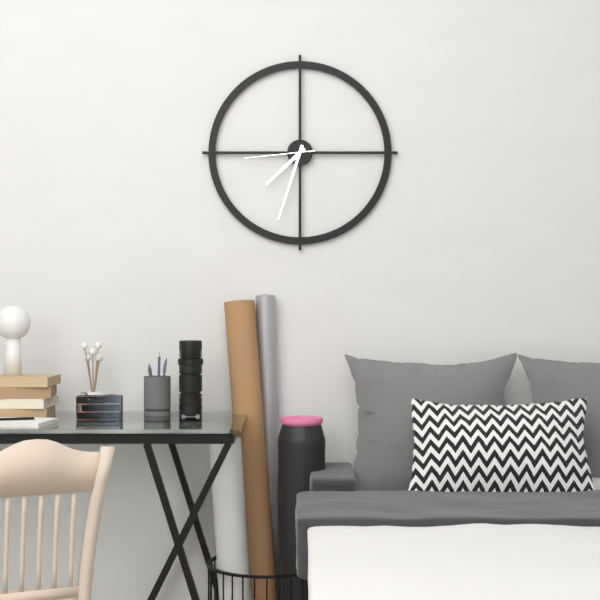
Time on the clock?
7:33:44
